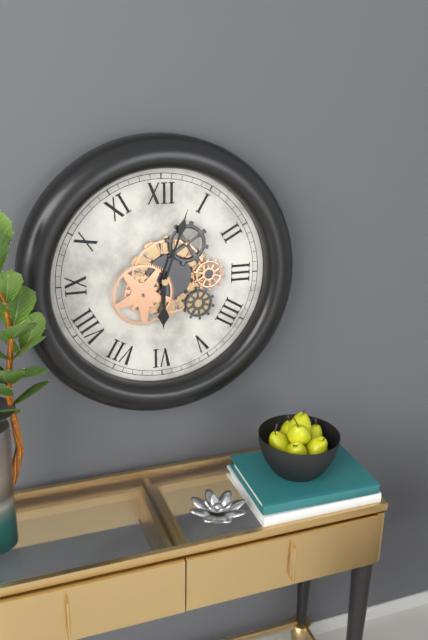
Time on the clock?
6:03
